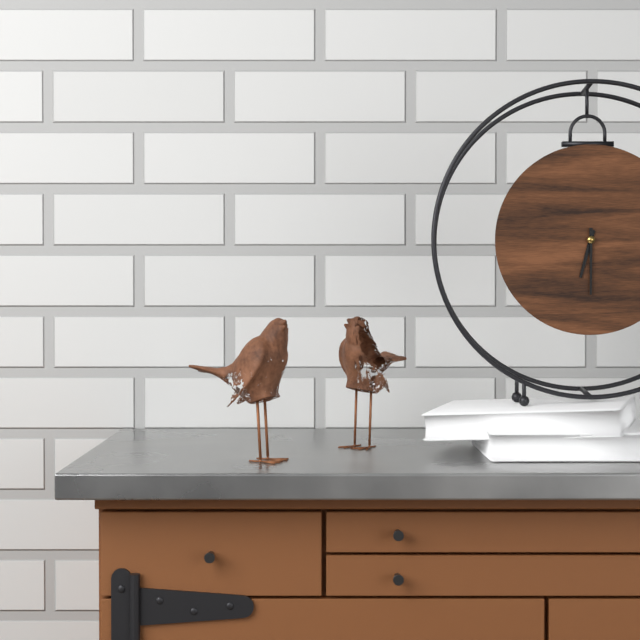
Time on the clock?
6:30
